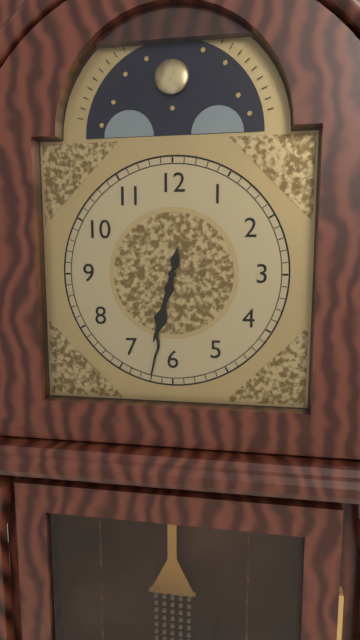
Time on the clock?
6:32
